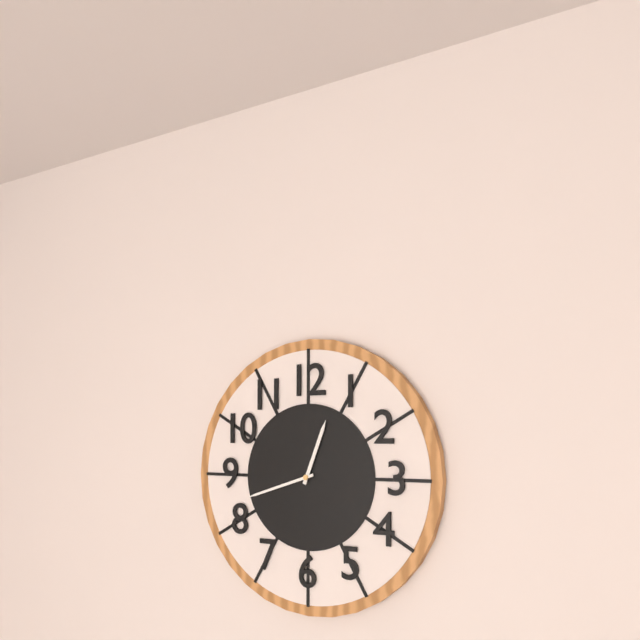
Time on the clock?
12:42
